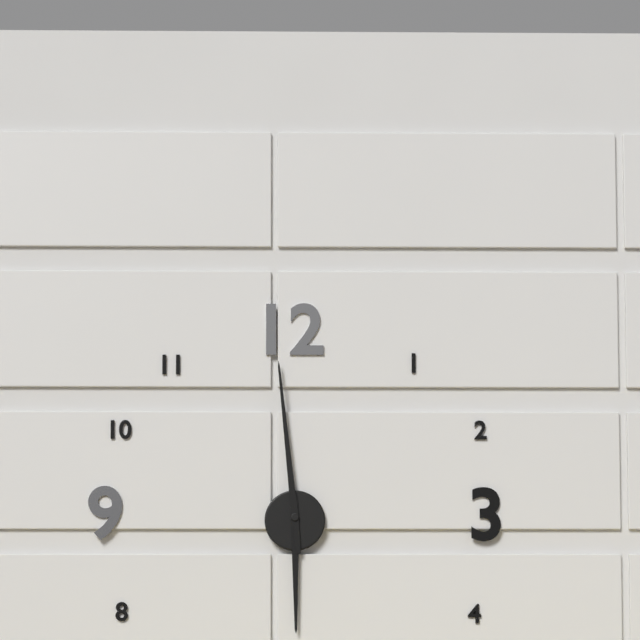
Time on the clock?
5:59
